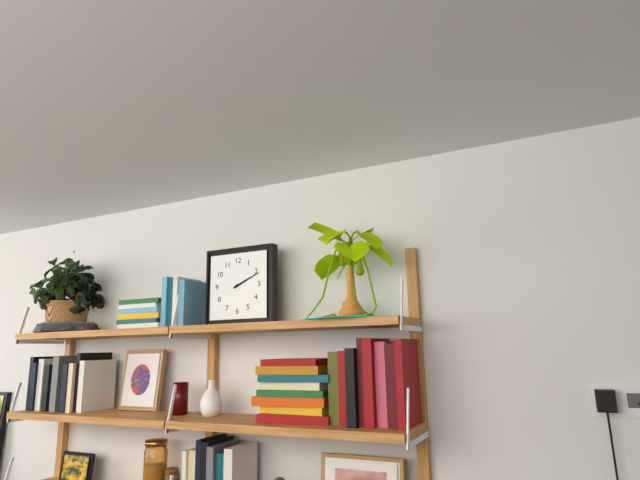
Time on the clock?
2:11
